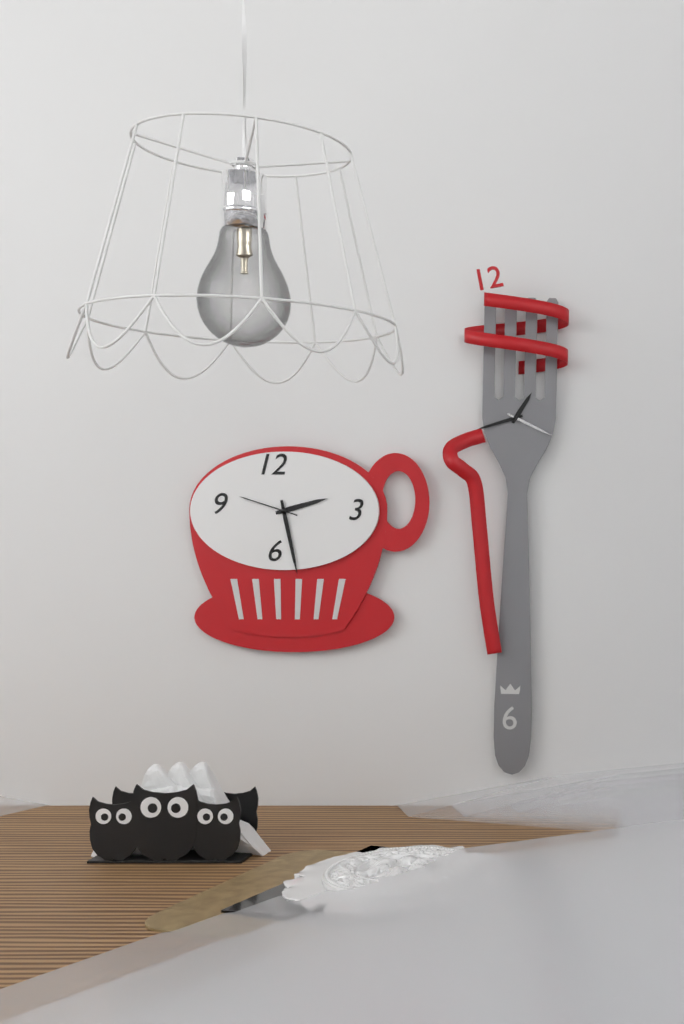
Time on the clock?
2:28:48
